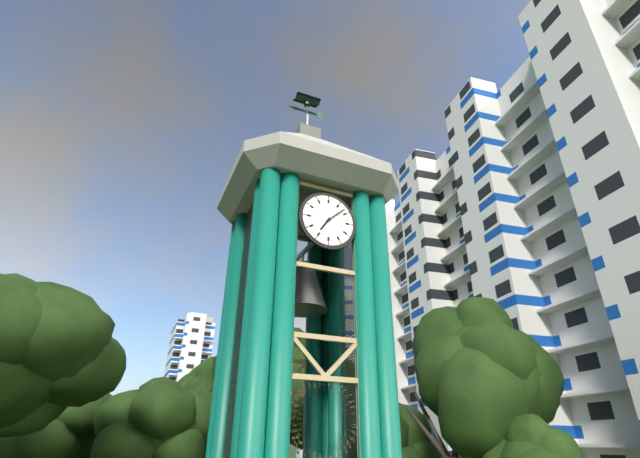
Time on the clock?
7:08
